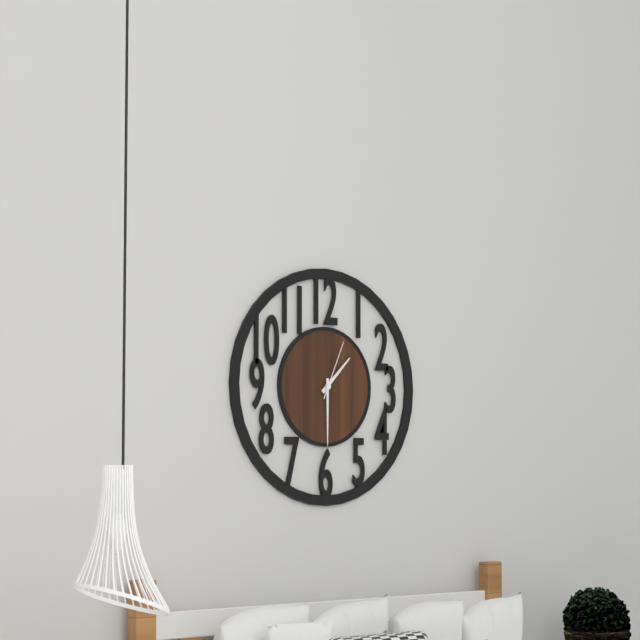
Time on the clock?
1:30:04
